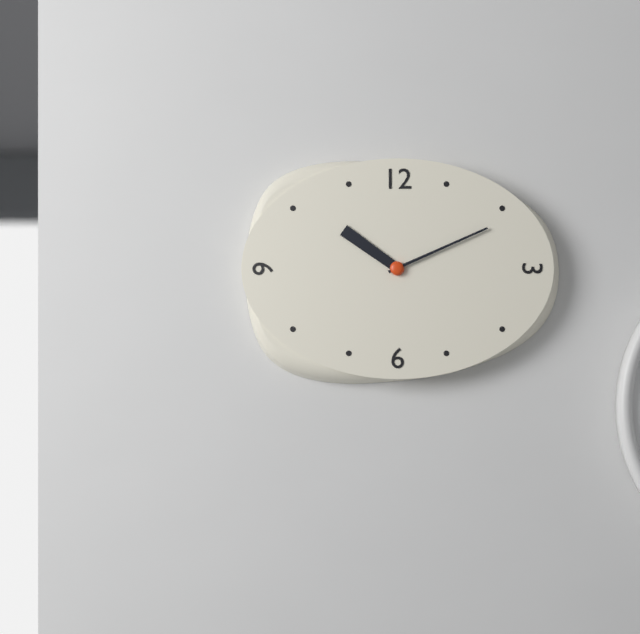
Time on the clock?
10:11
